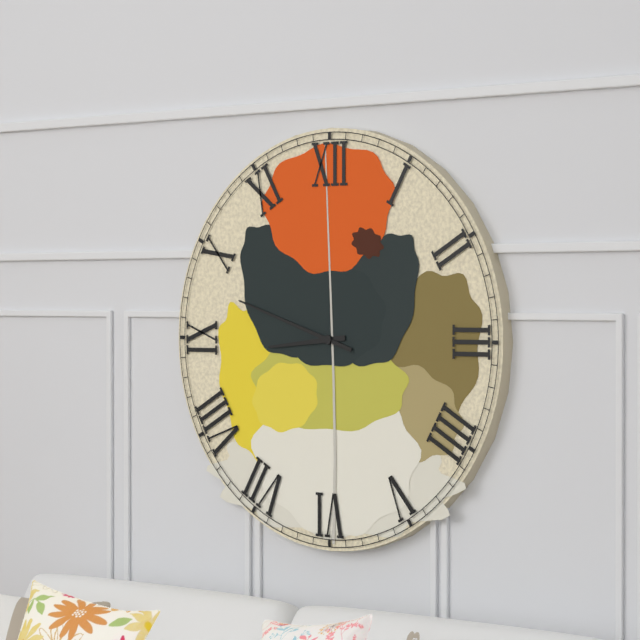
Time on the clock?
8:48
